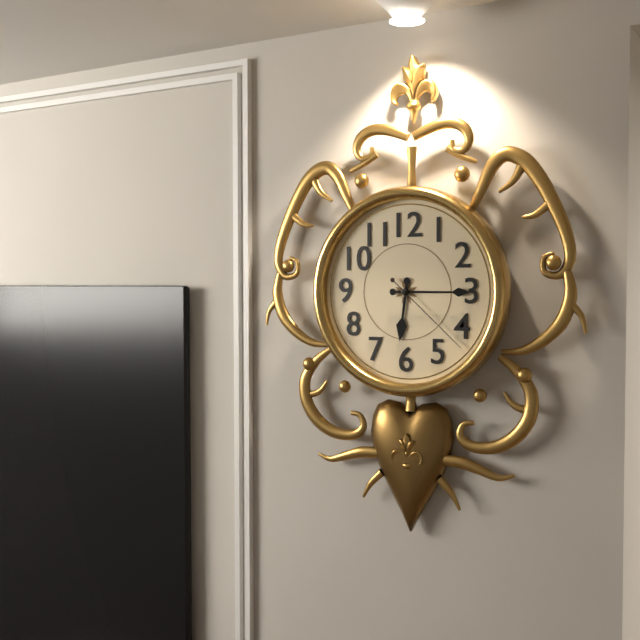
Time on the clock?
6:15:22
